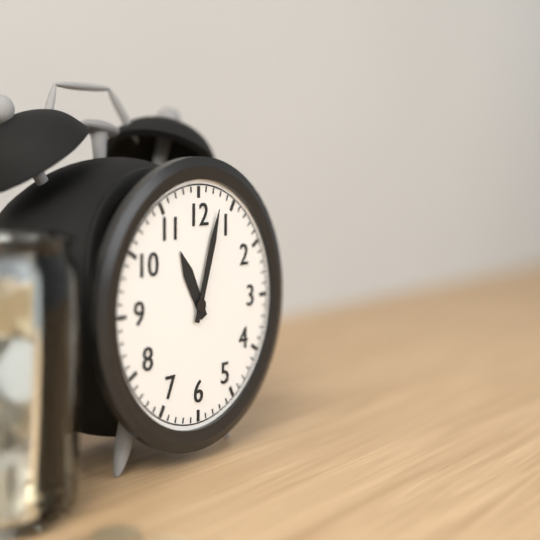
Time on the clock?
11:03
